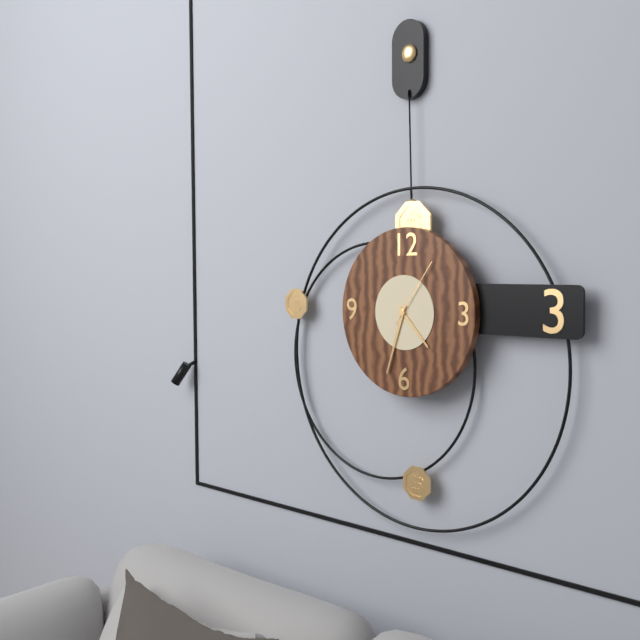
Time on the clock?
4:33:06
